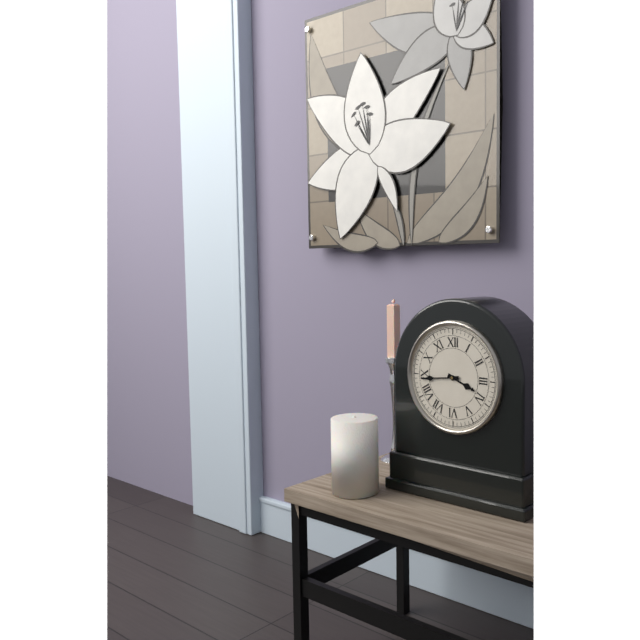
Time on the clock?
3:44
